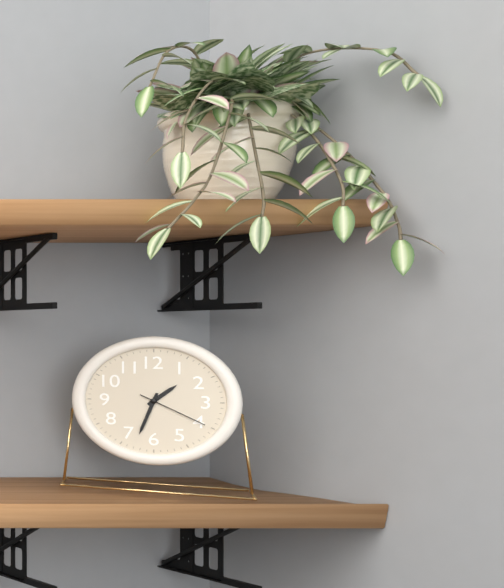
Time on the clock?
1:33:20
